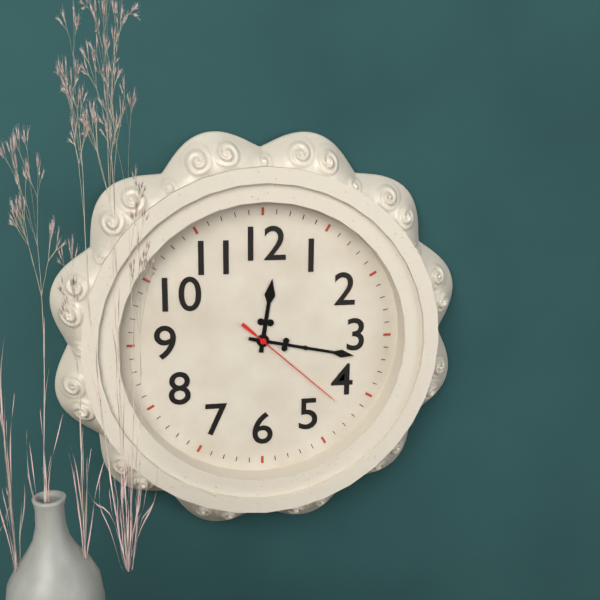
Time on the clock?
12:17:22
